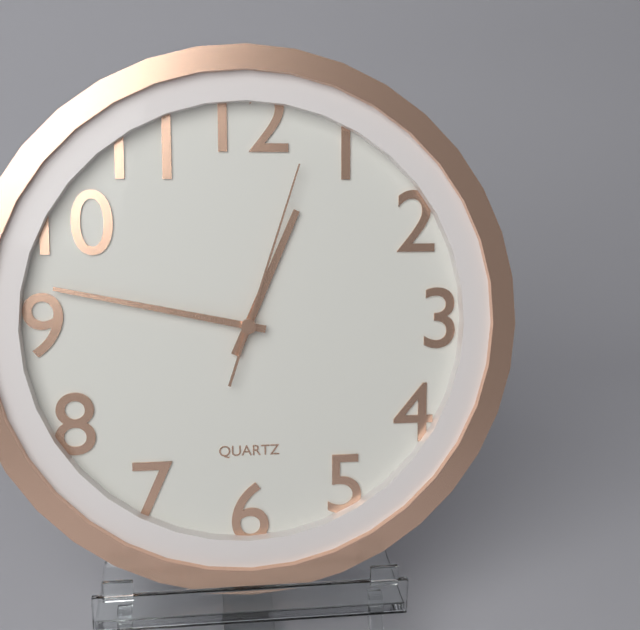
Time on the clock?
12:47:03
